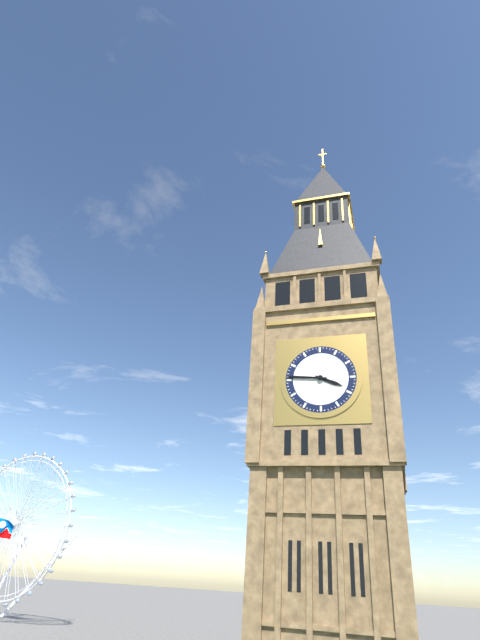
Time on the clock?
3:46
